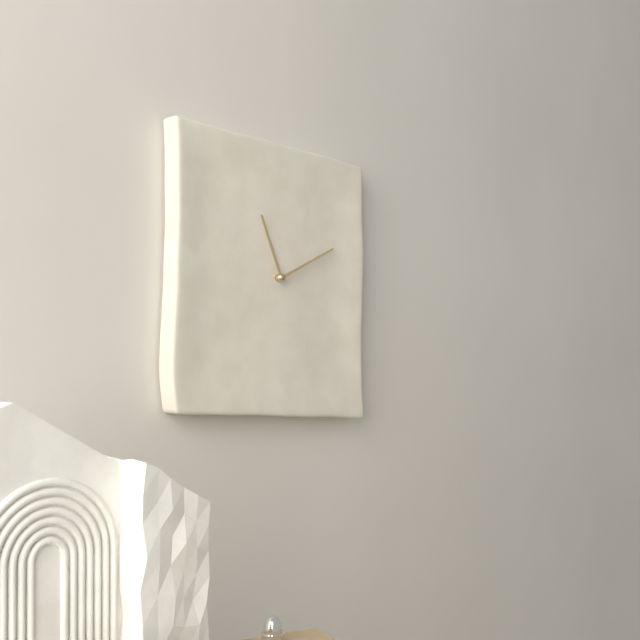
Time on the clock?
11:11
